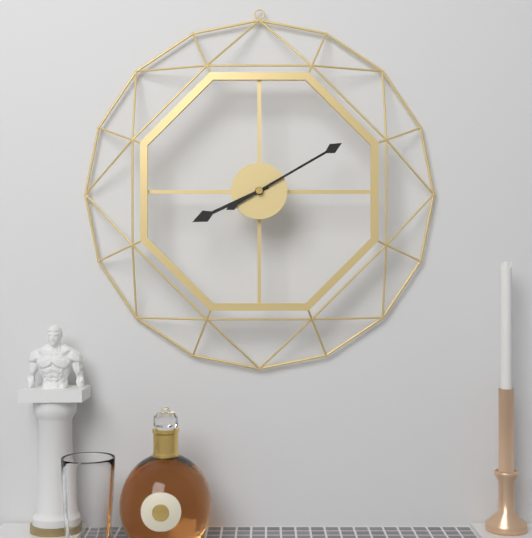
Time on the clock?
8:10
